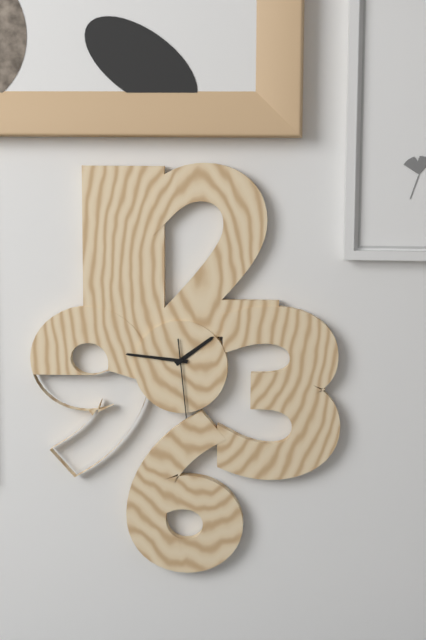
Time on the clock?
1:46:29
